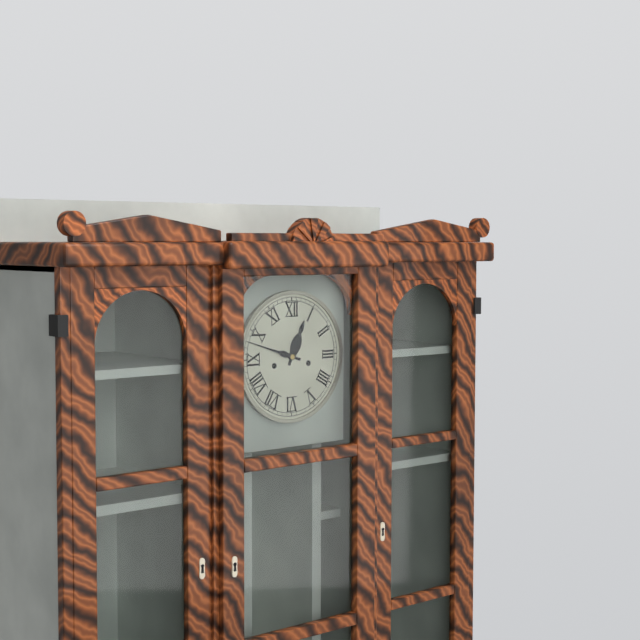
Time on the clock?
12:48
